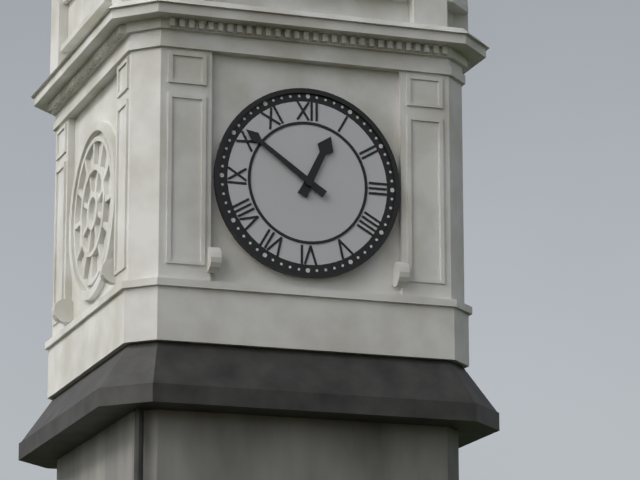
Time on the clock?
12:51
